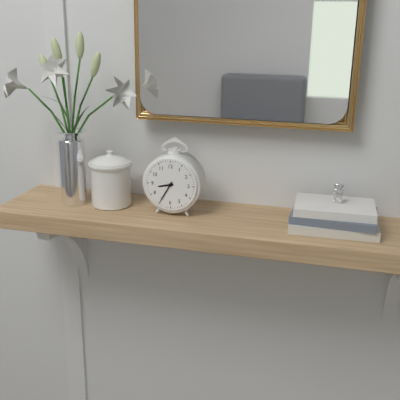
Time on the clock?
8:35
